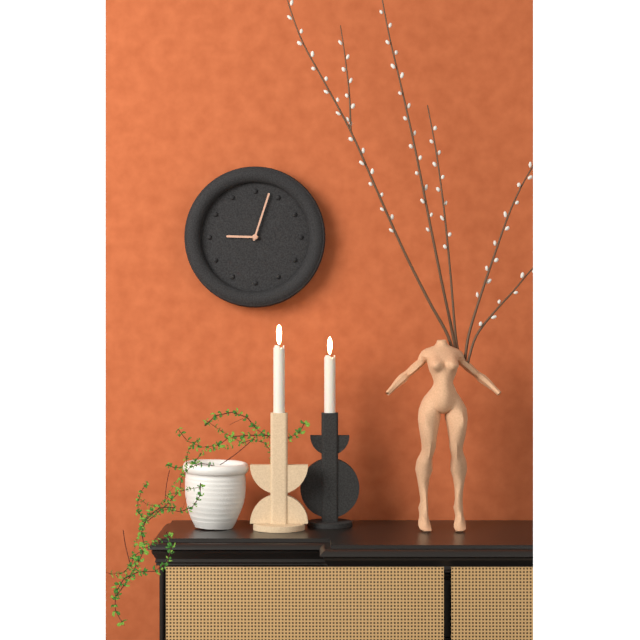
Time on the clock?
9:03
